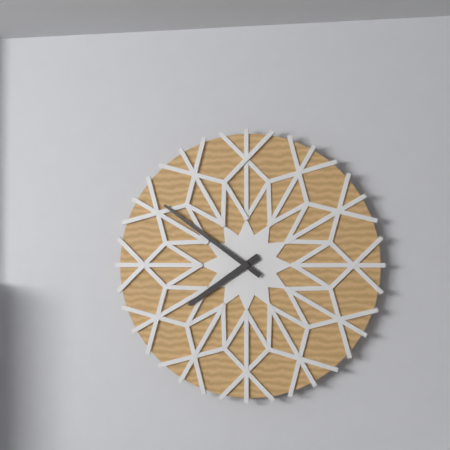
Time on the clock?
7:51
